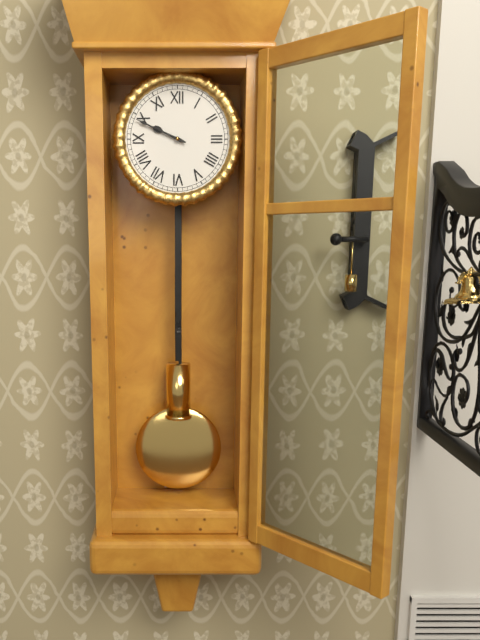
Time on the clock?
9:49
